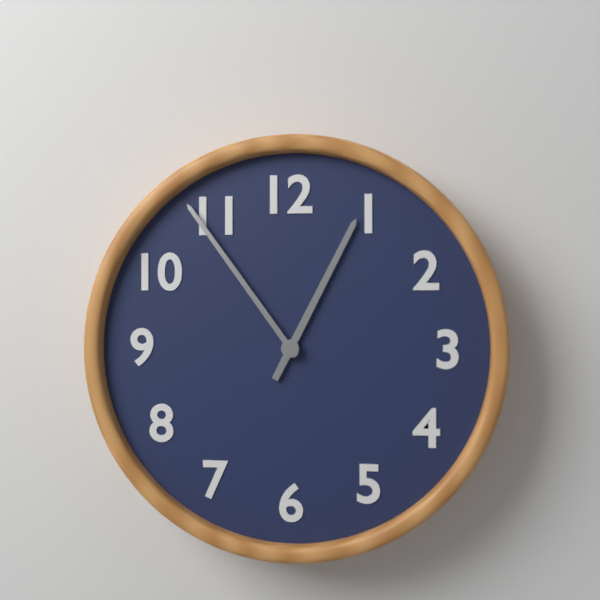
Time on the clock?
12:54
